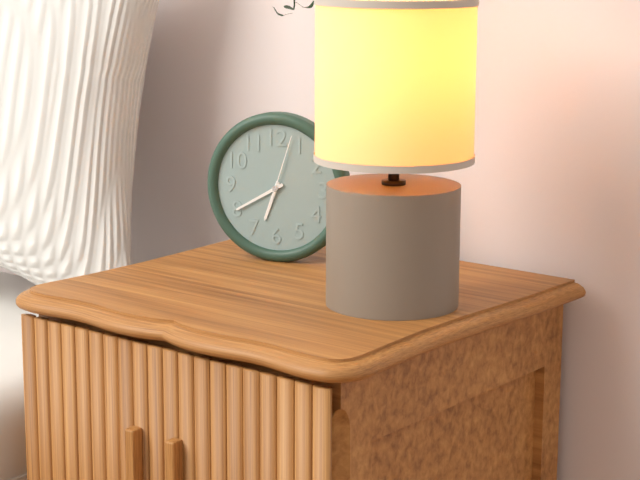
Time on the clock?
6:40:03
